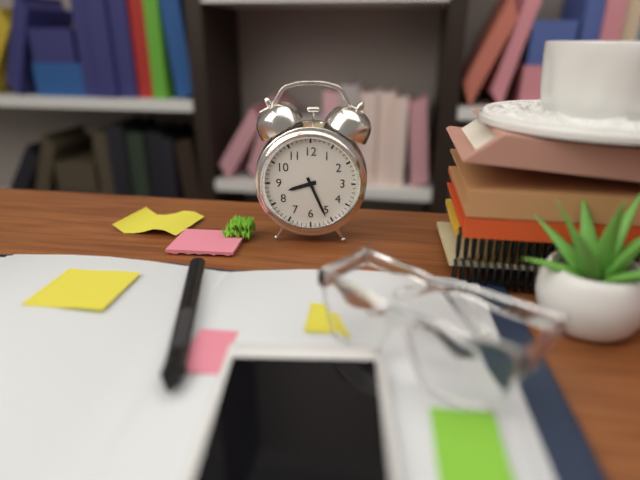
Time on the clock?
8:26
